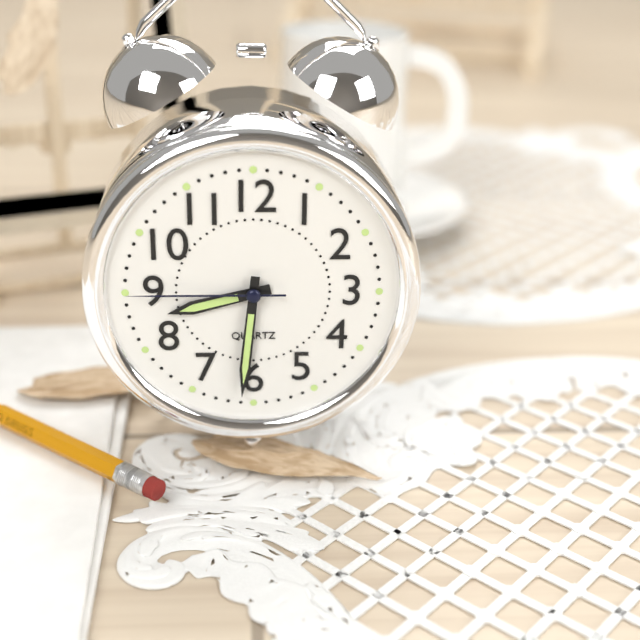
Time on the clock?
8:31:45
